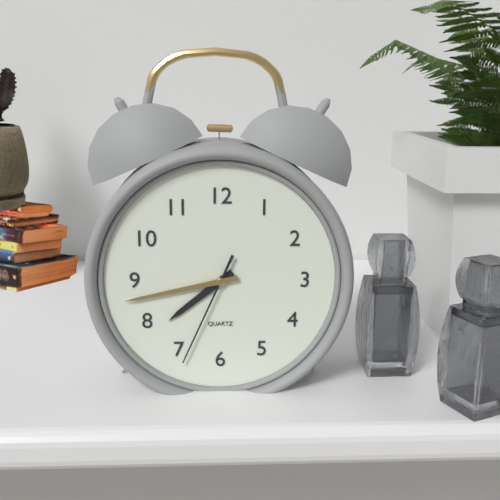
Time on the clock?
7:43:34
